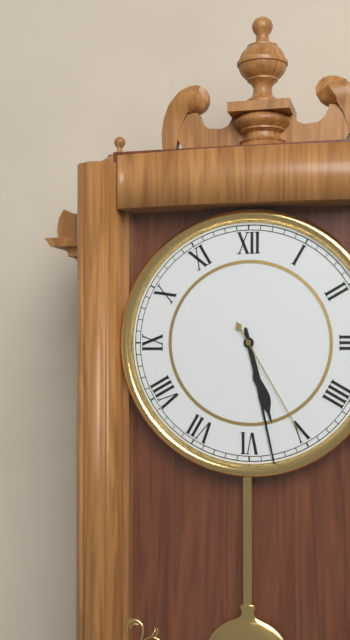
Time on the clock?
5:28:25
